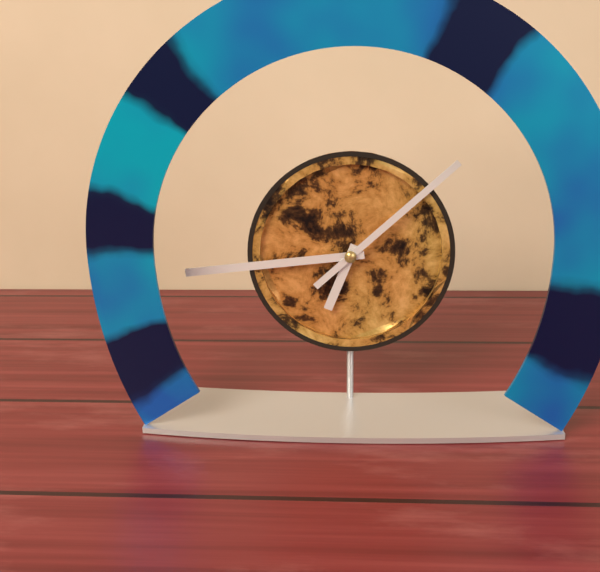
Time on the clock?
6:44:08
